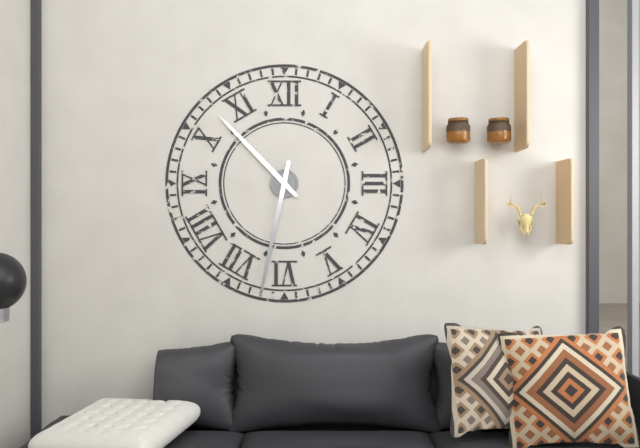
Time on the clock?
10:32
